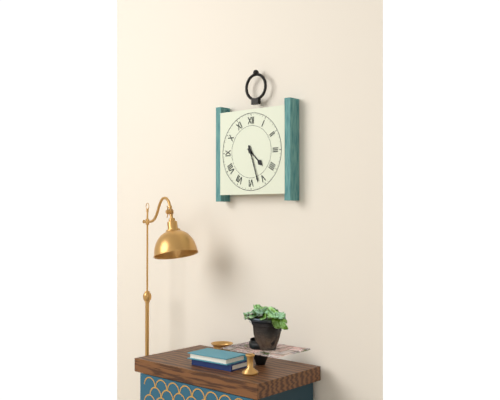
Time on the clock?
4:27
